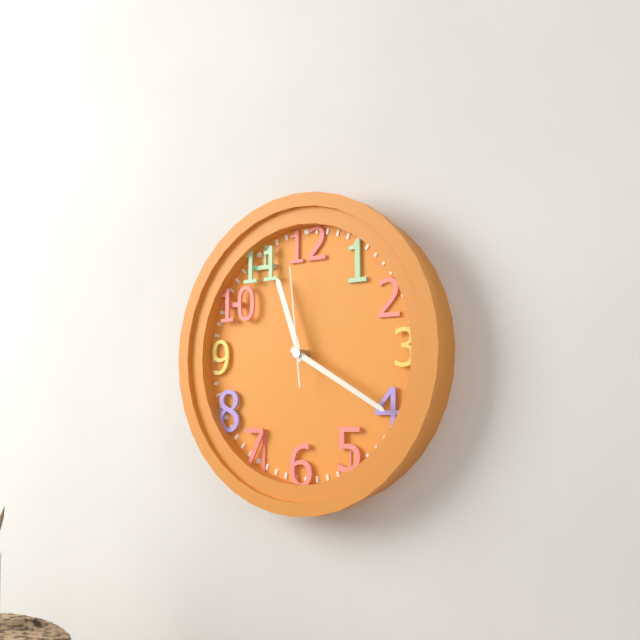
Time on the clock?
11:20:59
